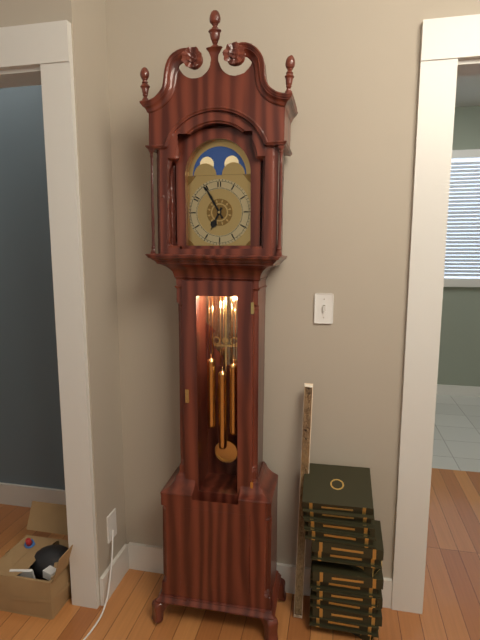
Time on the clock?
6:55
